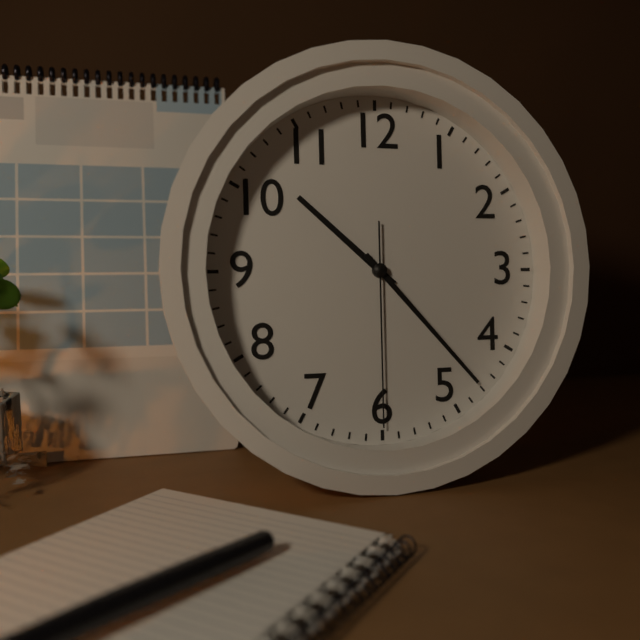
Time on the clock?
10:23:30
